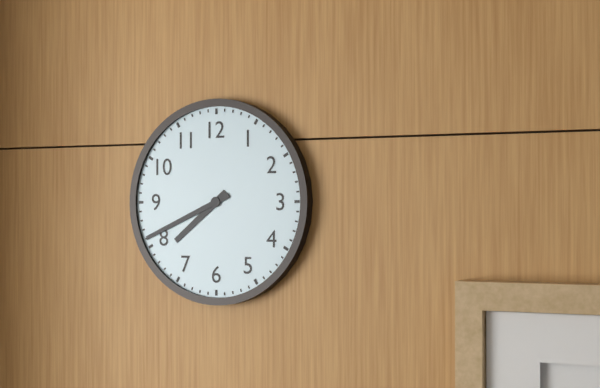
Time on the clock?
7:41
